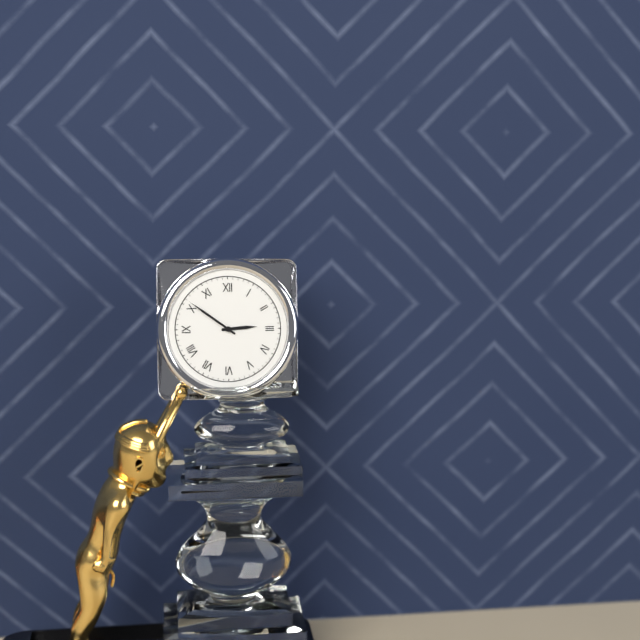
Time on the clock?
2:51
